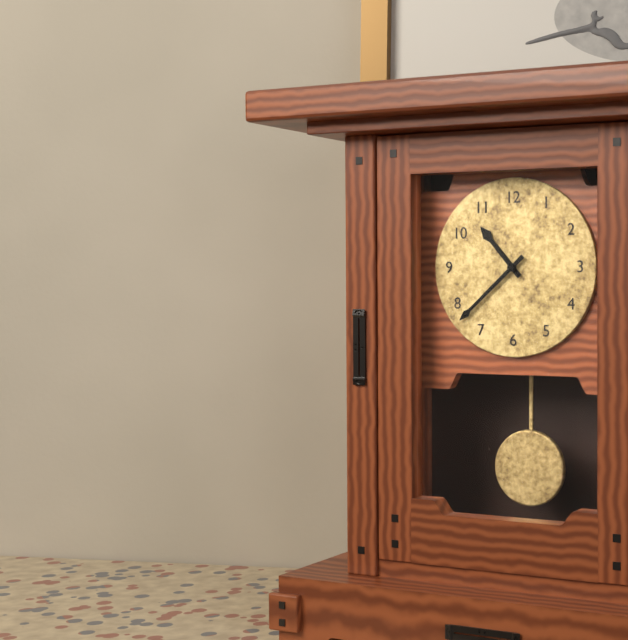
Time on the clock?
10:38
